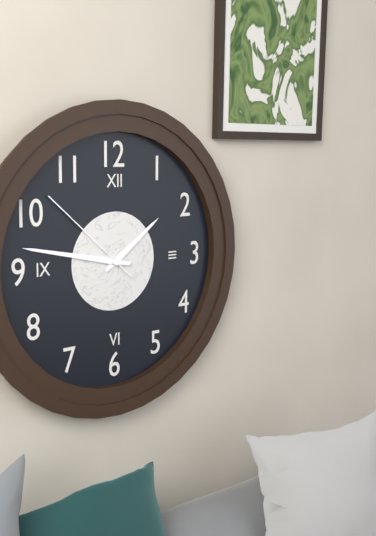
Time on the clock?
1:47:52
